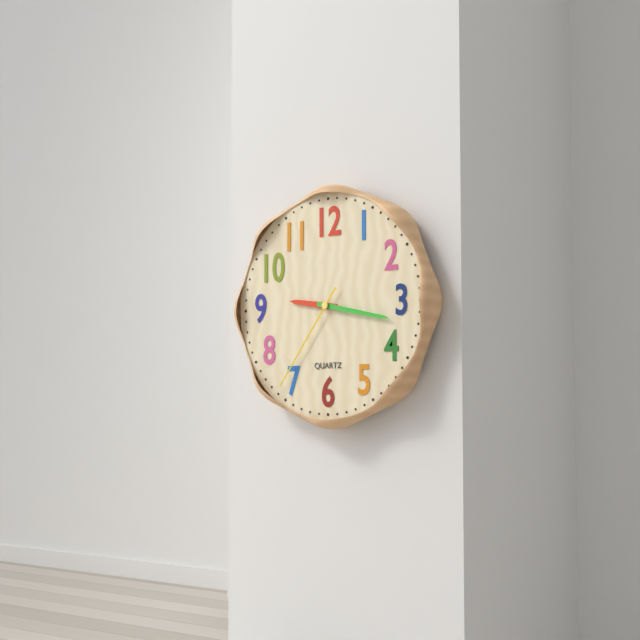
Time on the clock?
9:17:36
